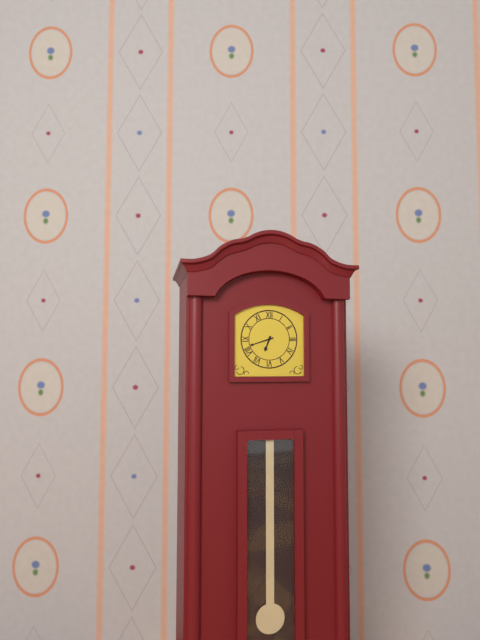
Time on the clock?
6:42
